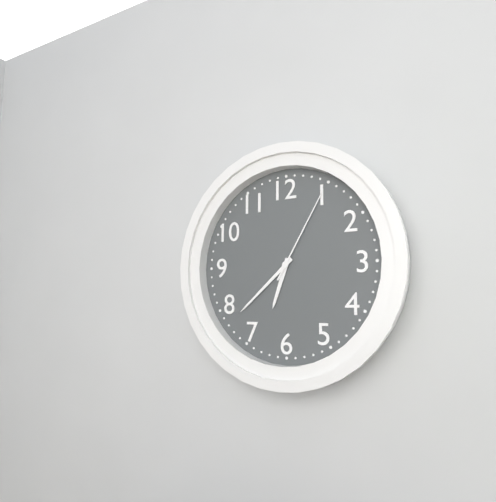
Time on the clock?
6:38:05
